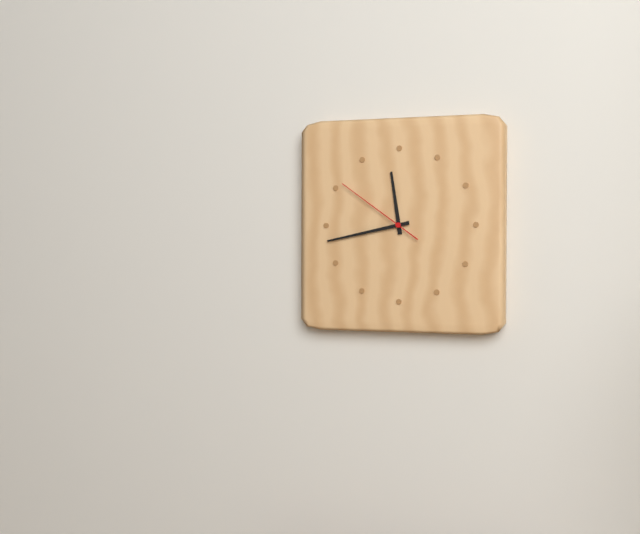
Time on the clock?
11:43:51
